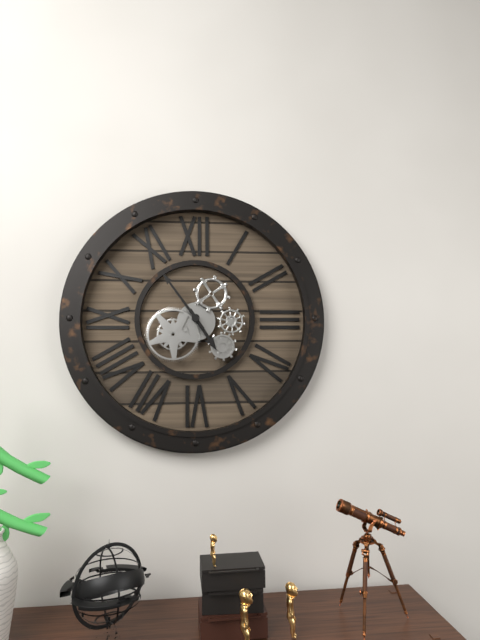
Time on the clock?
4:54
